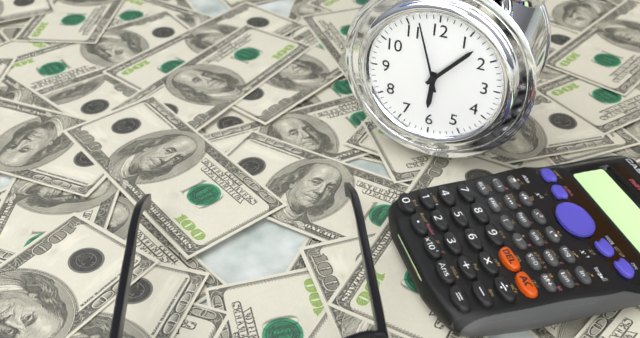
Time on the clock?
6:07:57
